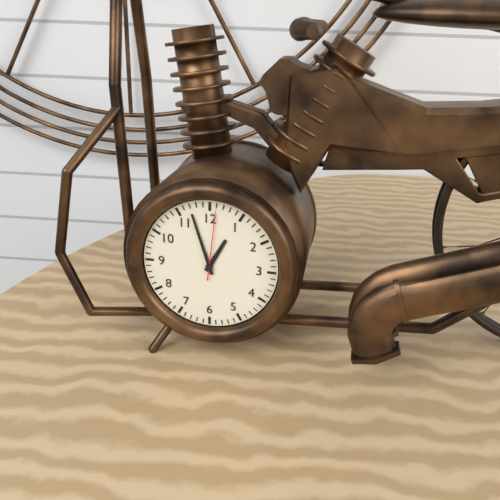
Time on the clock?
12:57:01
